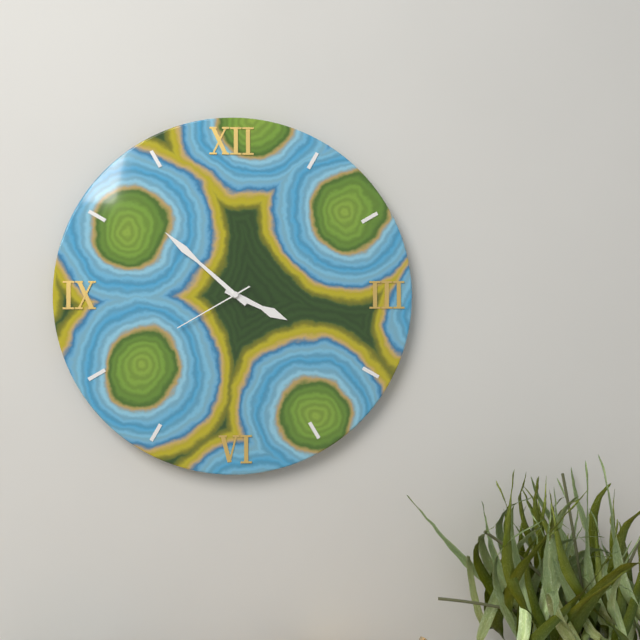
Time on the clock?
3:52:40
